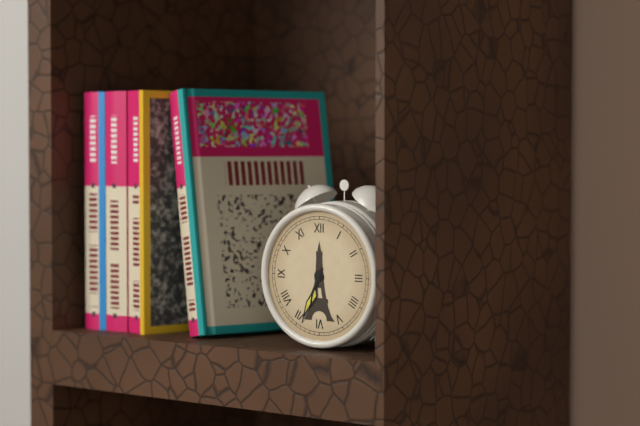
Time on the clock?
6:34
